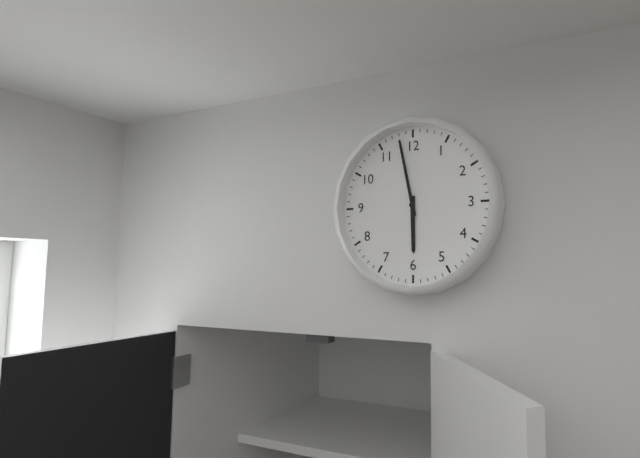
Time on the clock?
5:58
